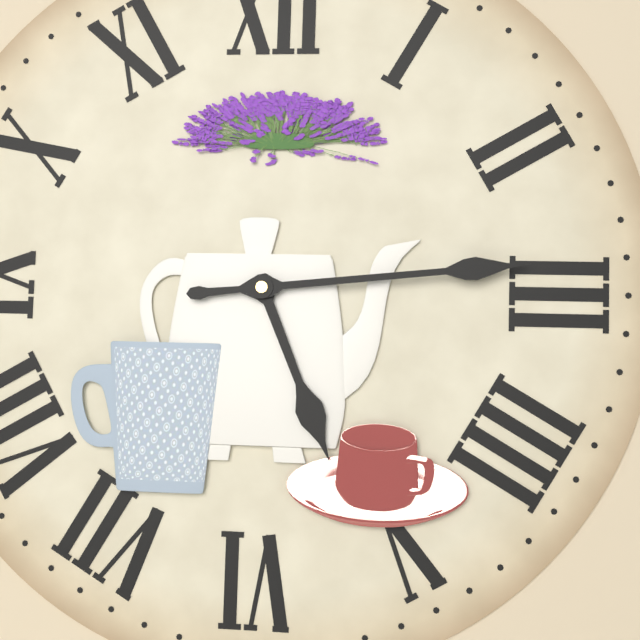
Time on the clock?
5:14
